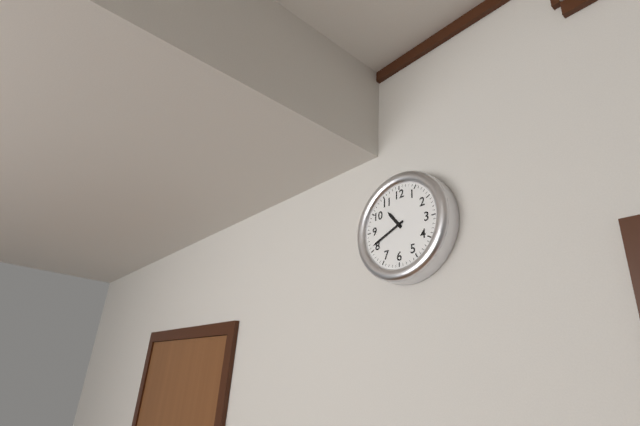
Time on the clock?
10:41
